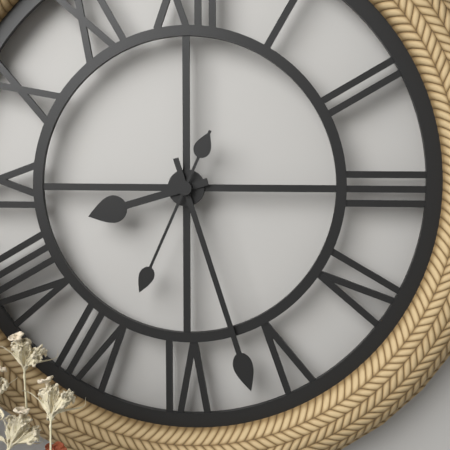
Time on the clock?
8:27:34
